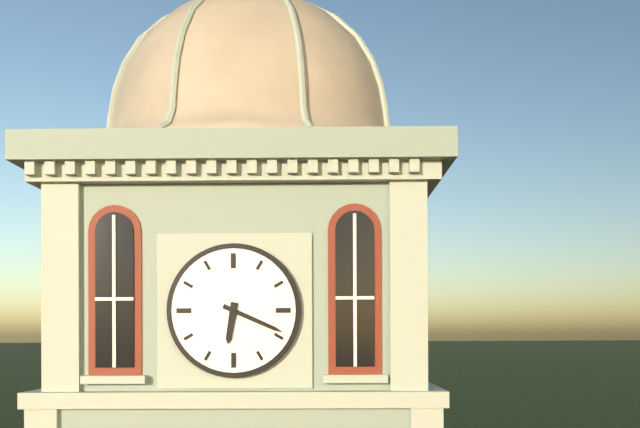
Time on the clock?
6:19
